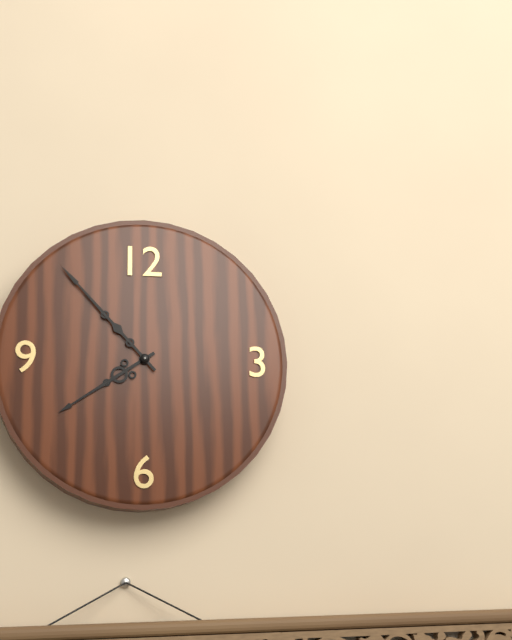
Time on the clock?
7:53
